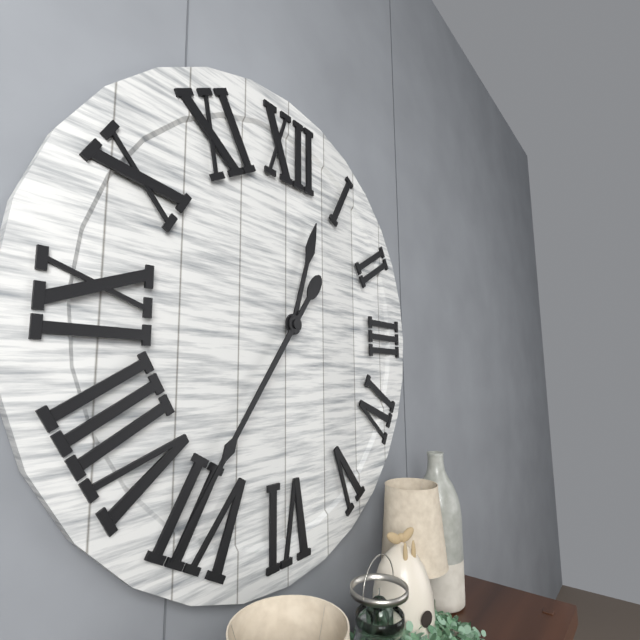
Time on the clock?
12:36
